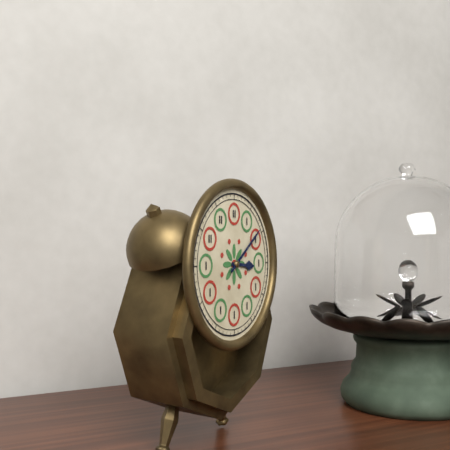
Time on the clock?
3:09
